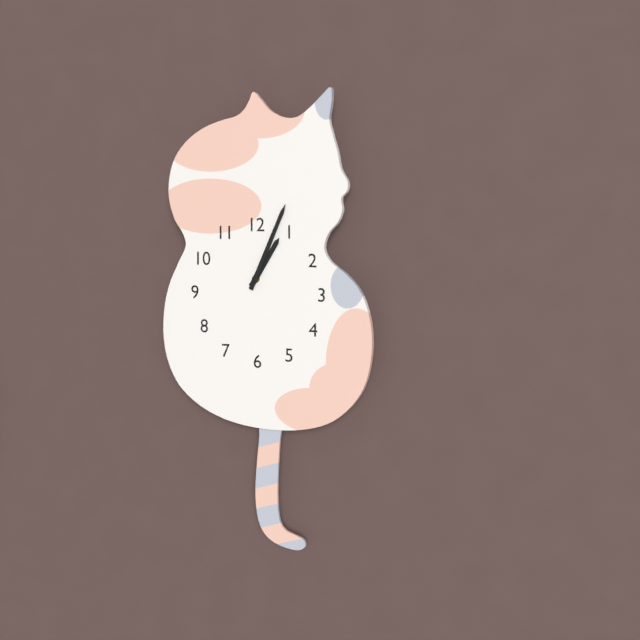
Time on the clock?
1:04
